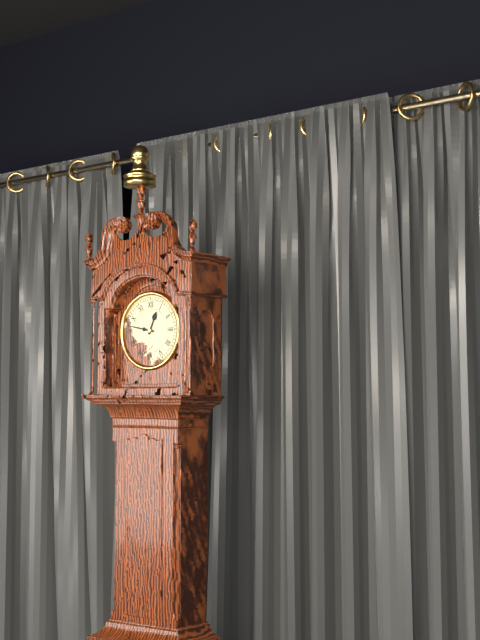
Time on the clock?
12:47
